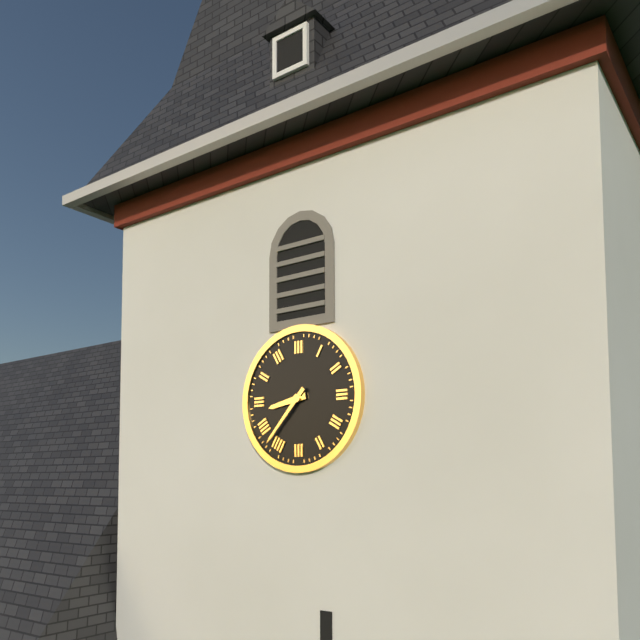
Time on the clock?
8:37
